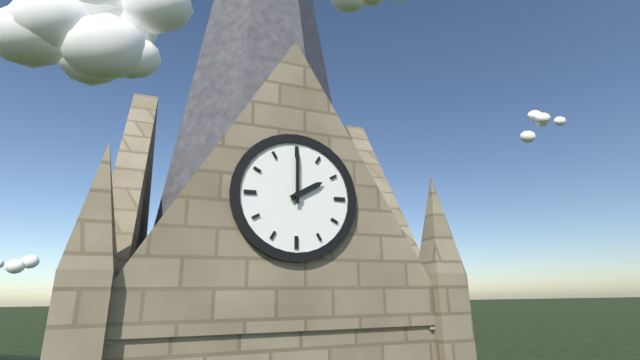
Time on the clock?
2:00
